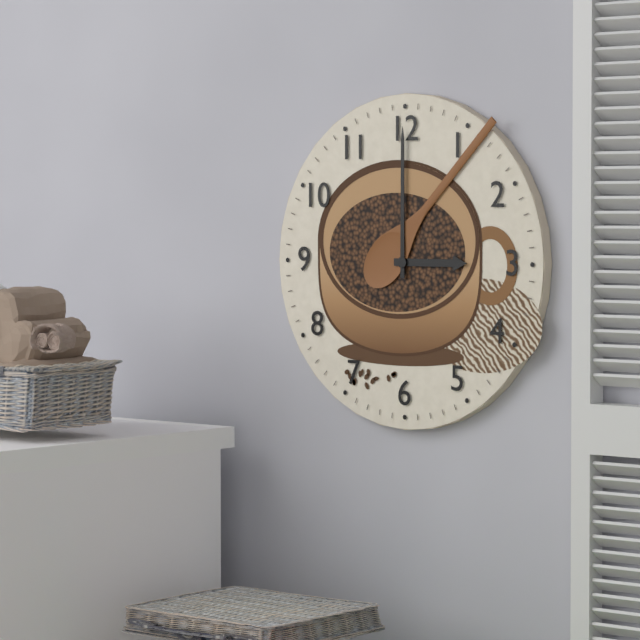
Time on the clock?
3:00
